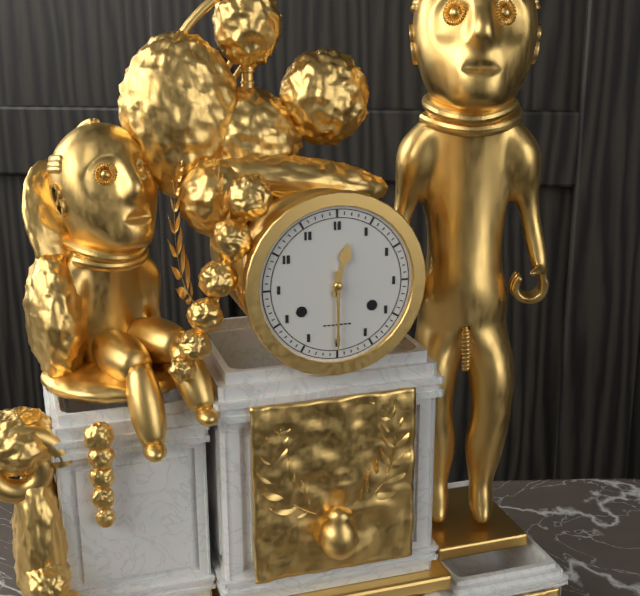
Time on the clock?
12:30
